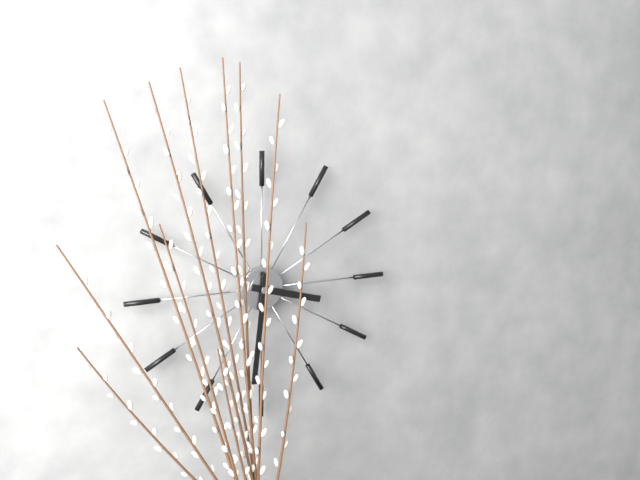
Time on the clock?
3:31
